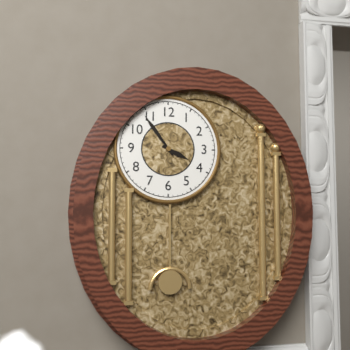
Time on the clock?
3:54
